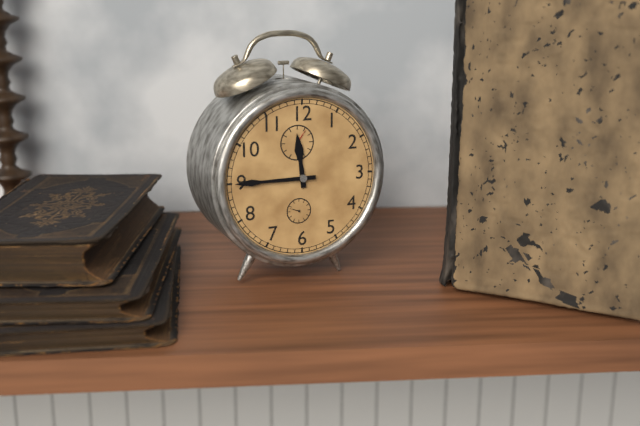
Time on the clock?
11:45
